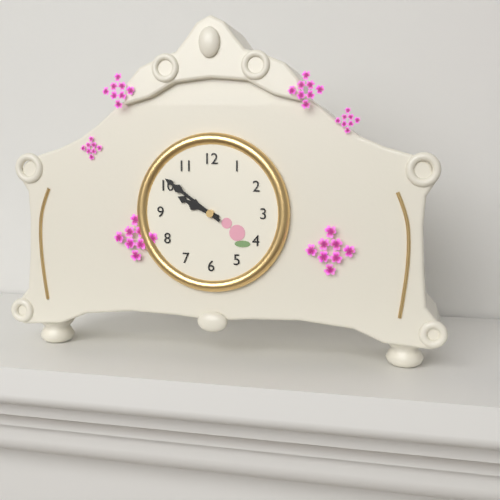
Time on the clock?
9:51
